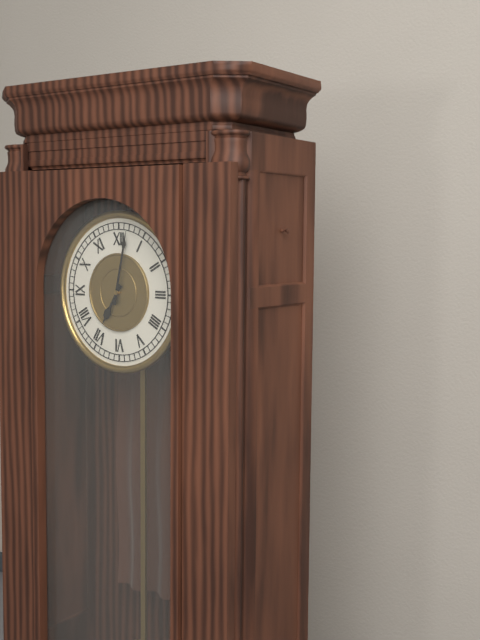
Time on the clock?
7:02
